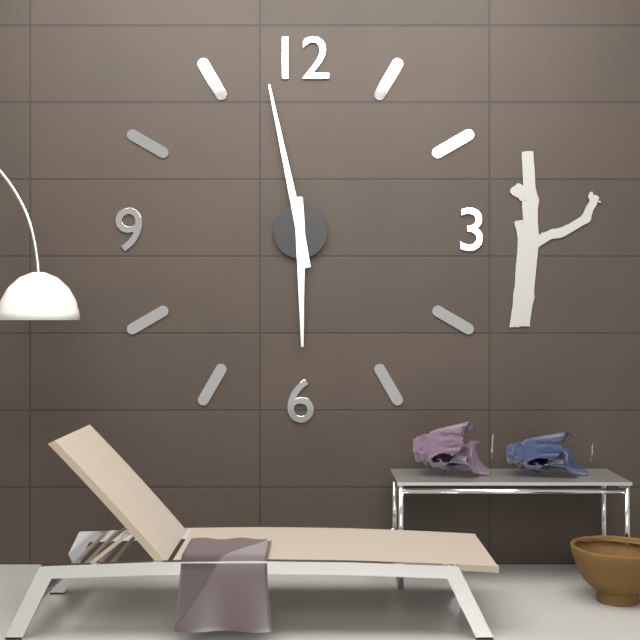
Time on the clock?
5:58
